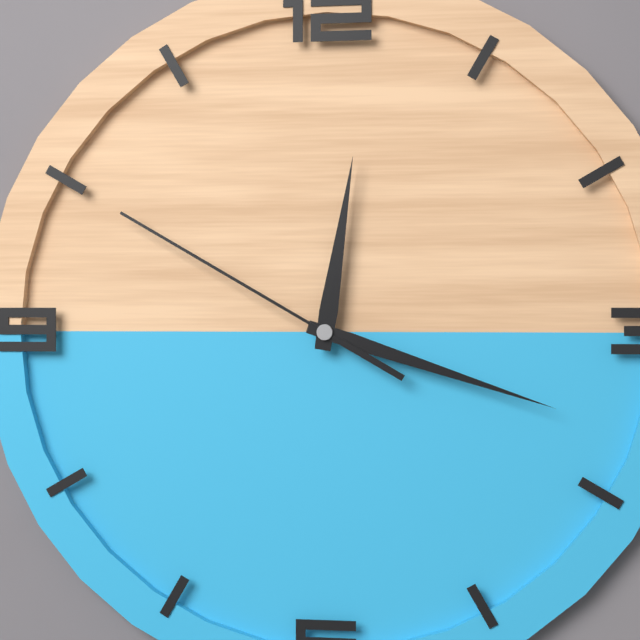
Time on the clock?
12:18:50
